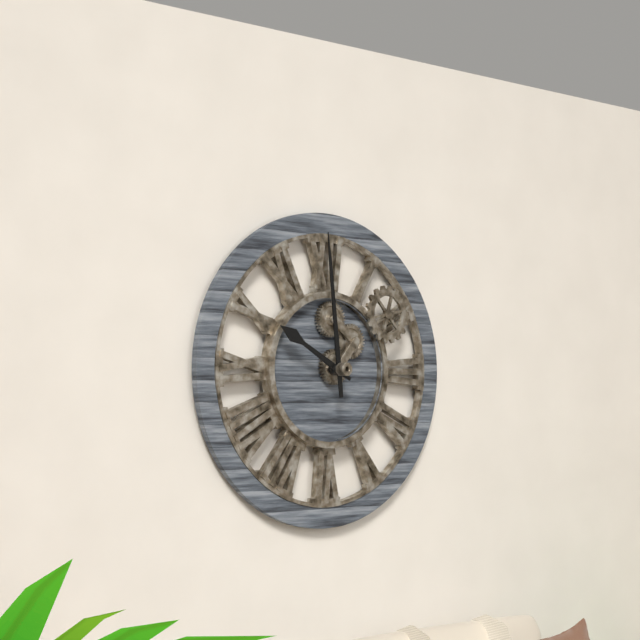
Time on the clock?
9:59
